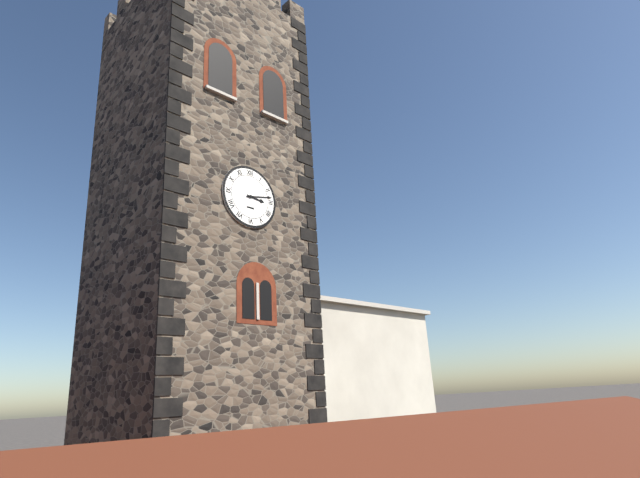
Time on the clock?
3:13
